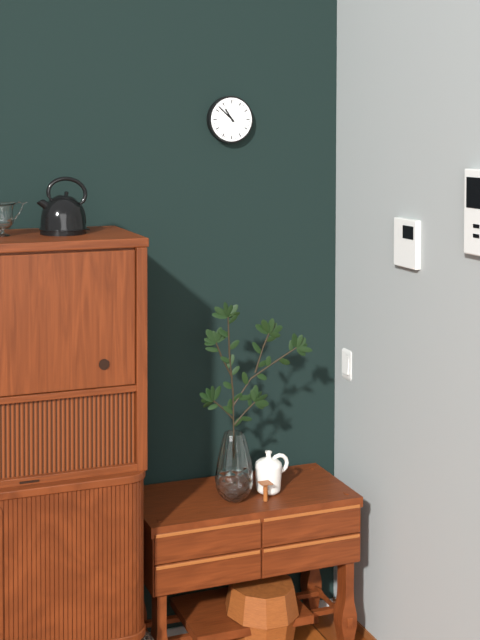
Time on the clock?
10:52
